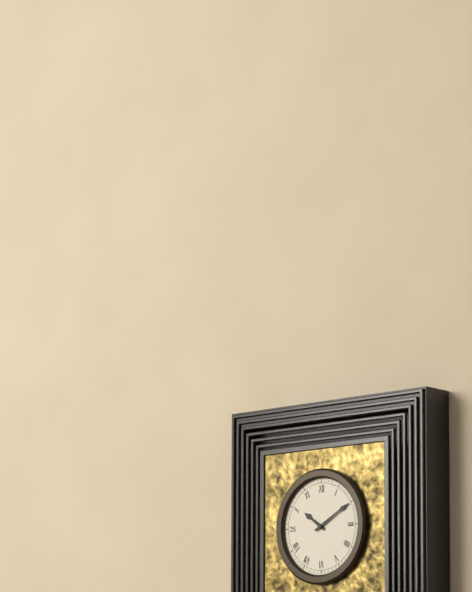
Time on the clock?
10:10
